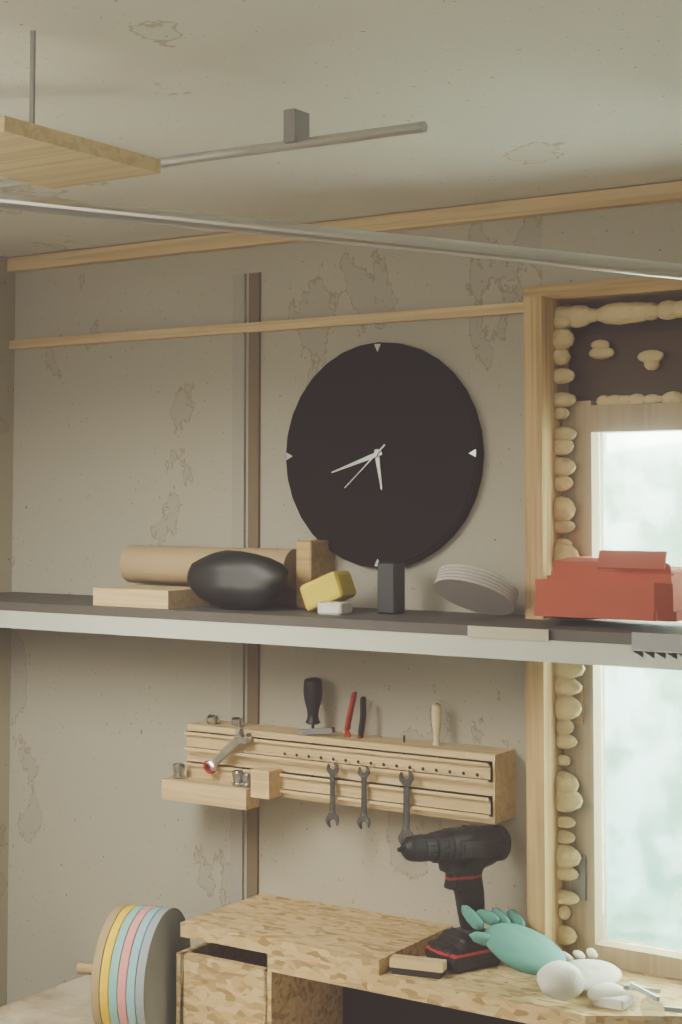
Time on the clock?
5:42:38
